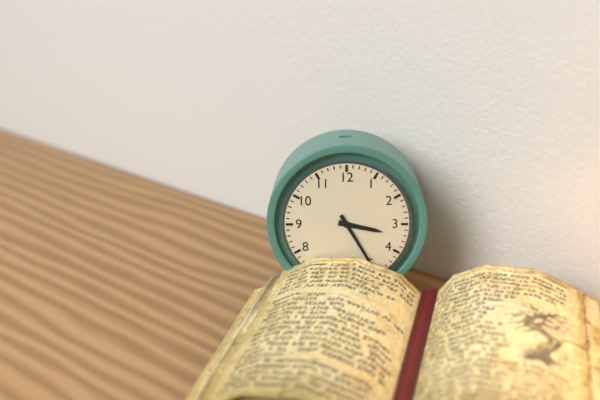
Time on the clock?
3:25
